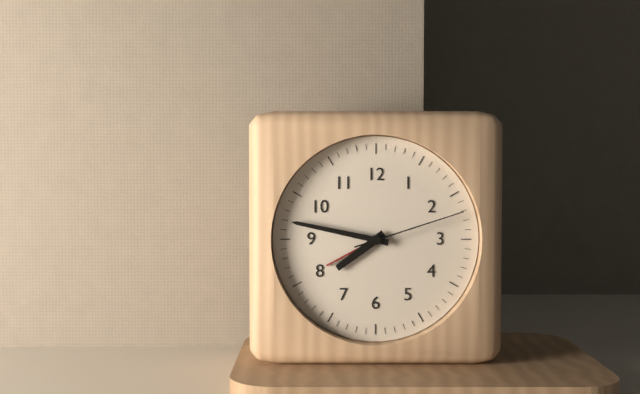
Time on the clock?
7:47:12
